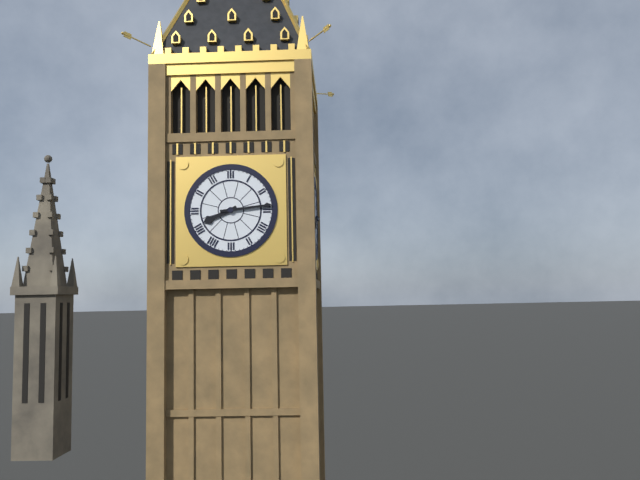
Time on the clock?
8:14
